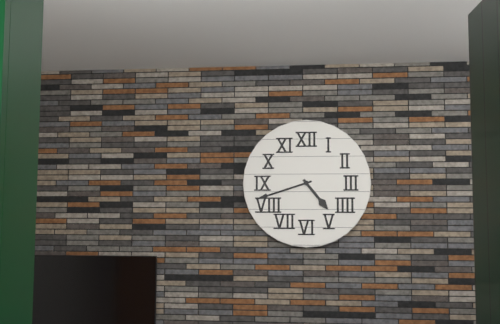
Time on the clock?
4:42
